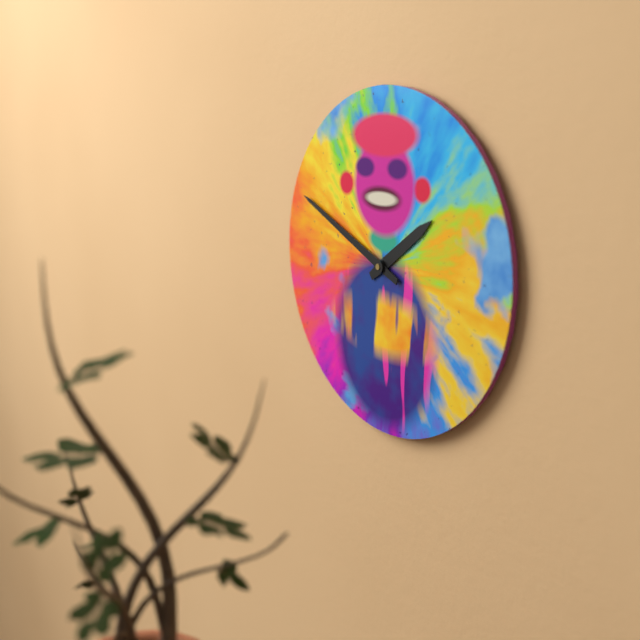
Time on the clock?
1:49
